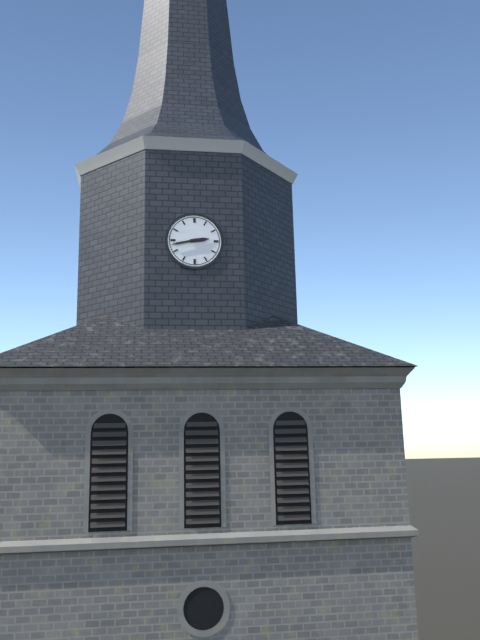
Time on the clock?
2:43
